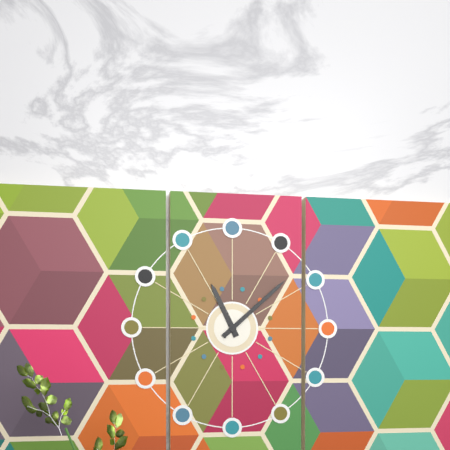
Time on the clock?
11:08
